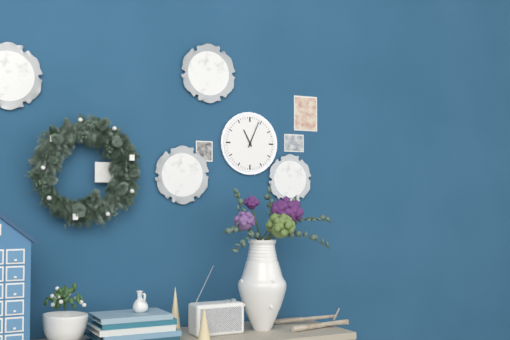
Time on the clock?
11:04
